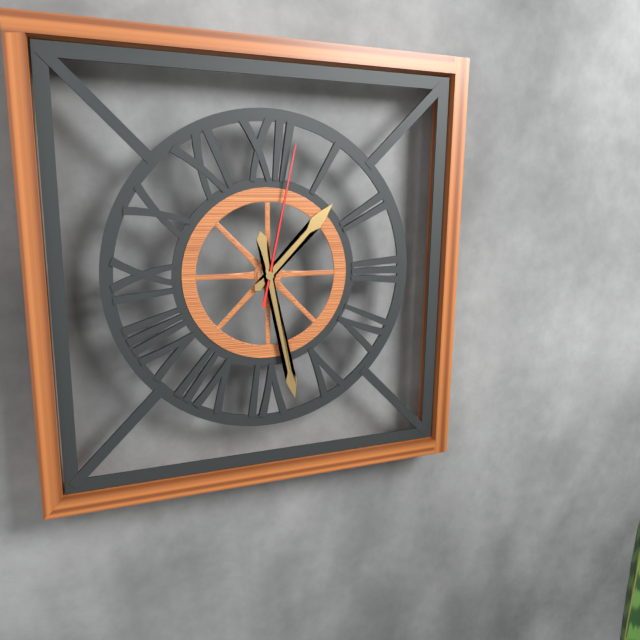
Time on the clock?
1:28:02
